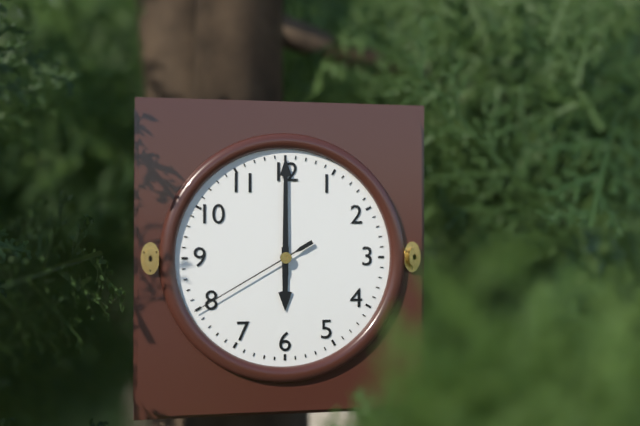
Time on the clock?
6:00:40
